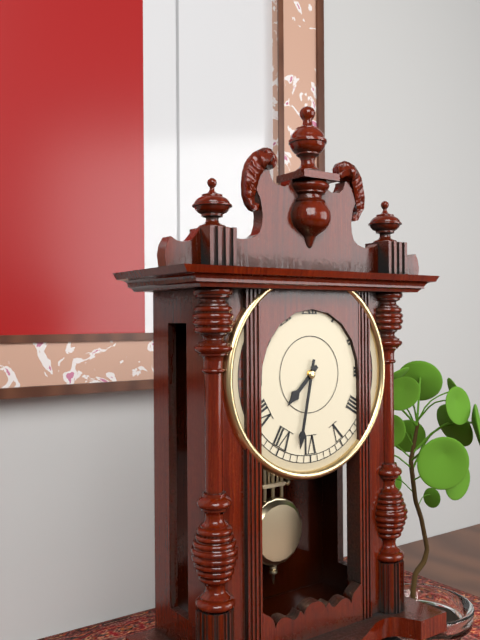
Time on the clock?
7:32
